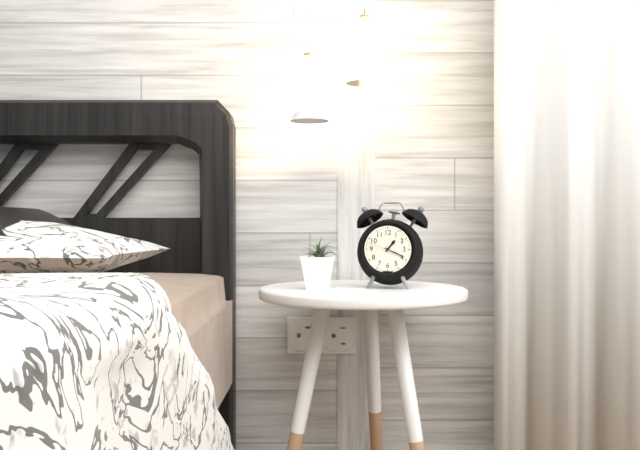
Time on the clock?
1:19
